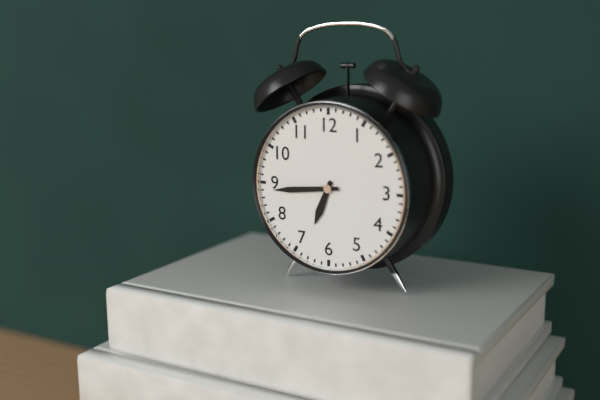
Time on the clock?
6:44
